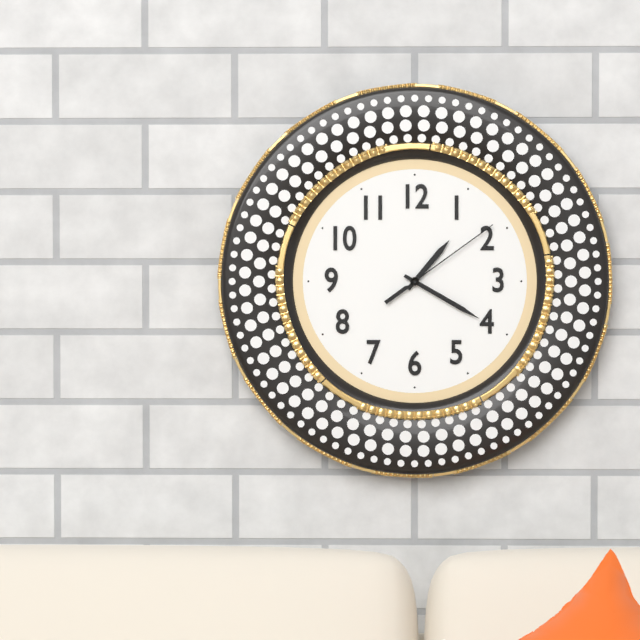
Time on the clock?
1:20:09
